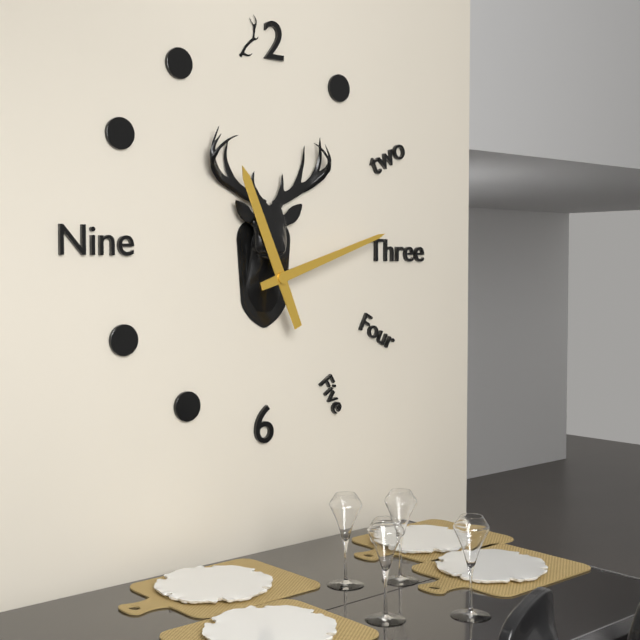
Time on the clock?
11:12
